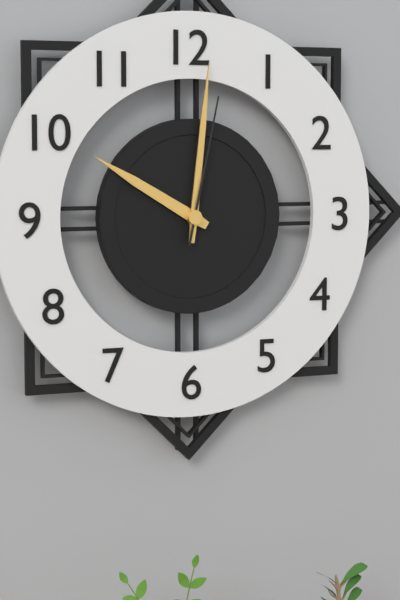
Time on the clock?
10:01:02
